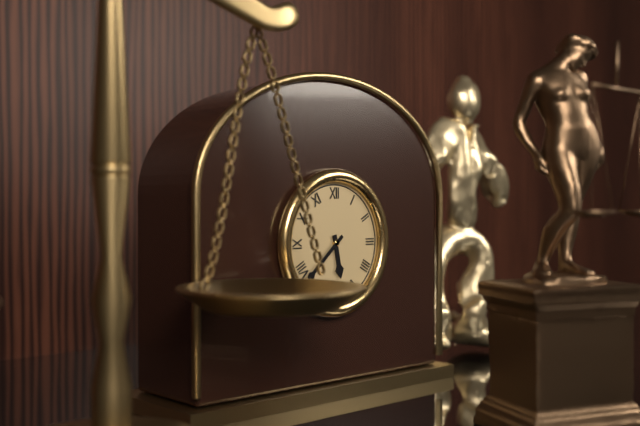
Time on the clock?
5:38
